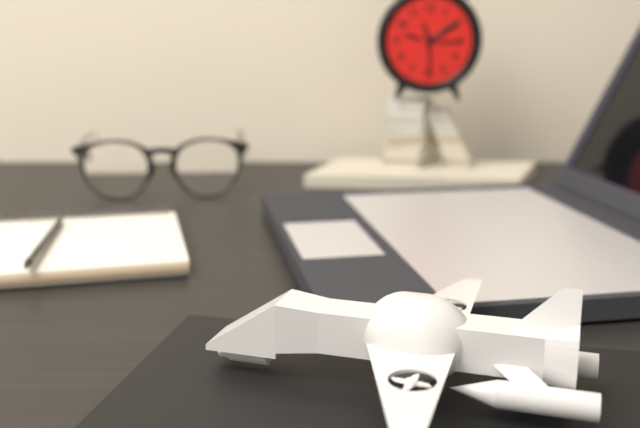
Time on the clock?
11:29
